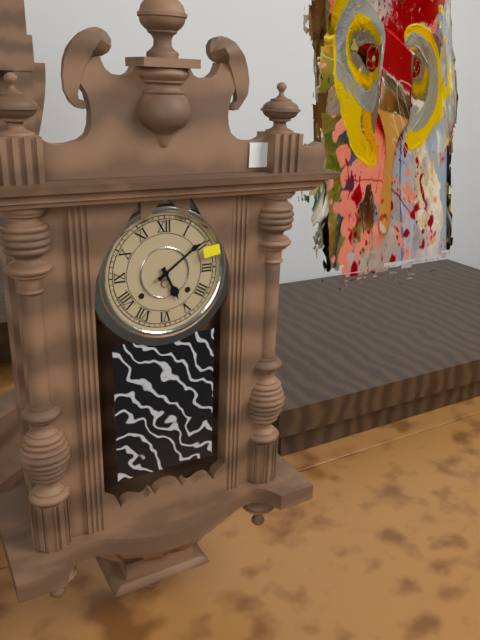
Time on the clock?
5:09
